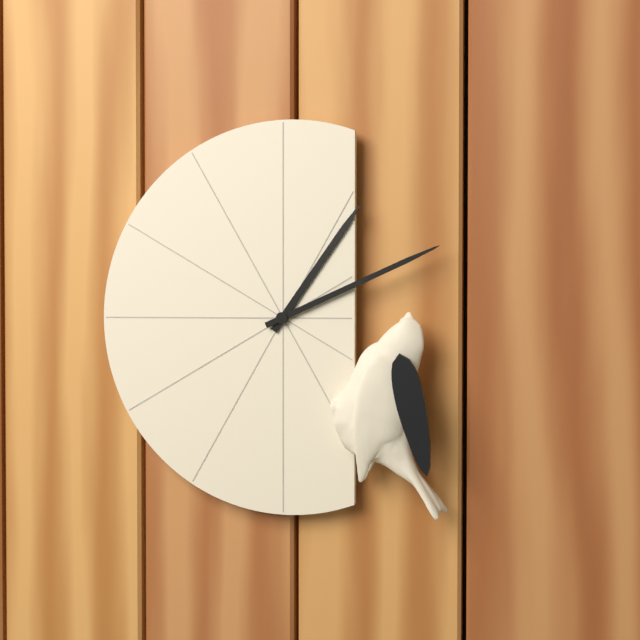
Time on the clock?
1:11
